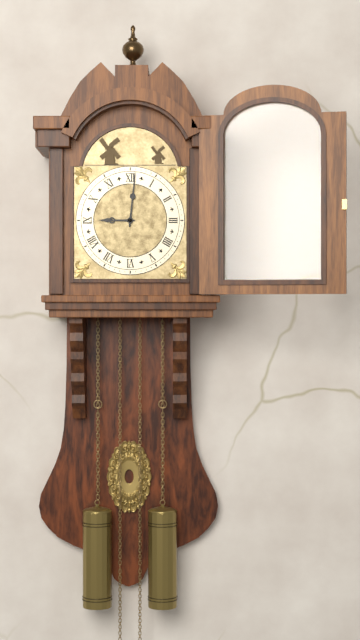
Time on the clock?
9:01
